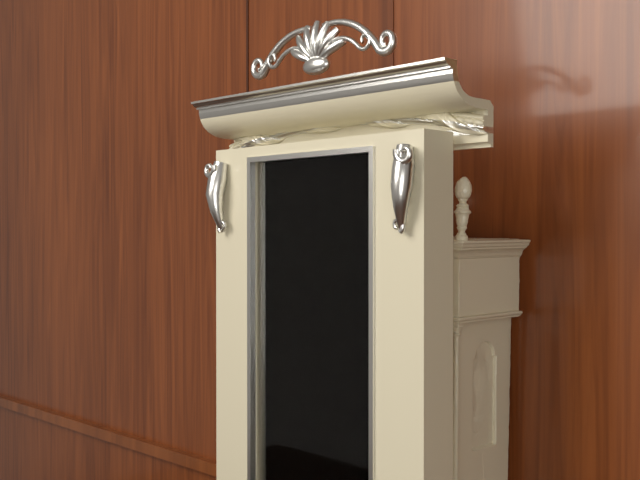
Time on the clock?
7:08
